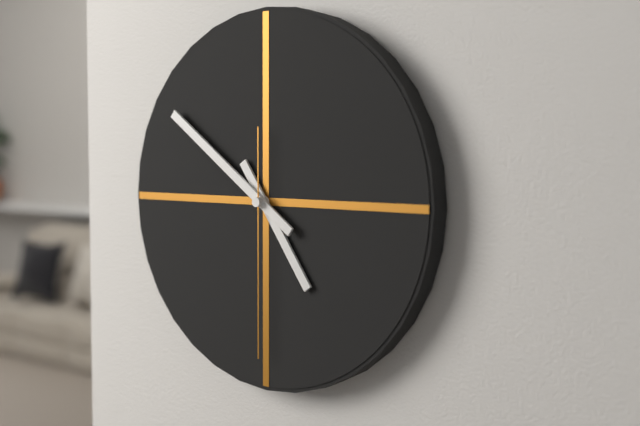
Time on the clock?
4:51:30
